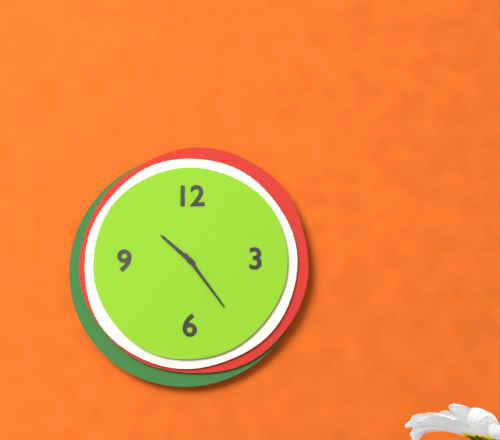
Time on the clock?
10:24
